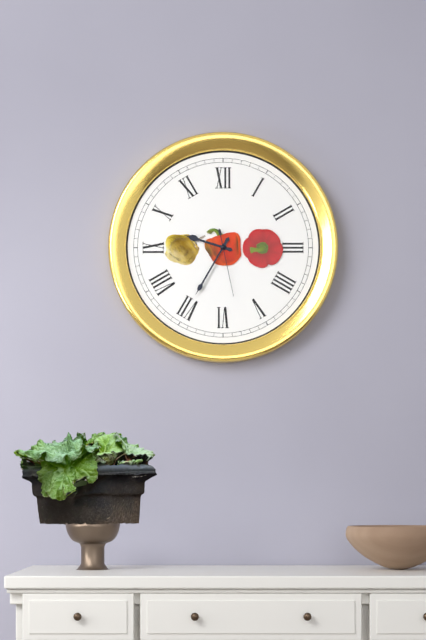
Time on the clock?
9:35:28
